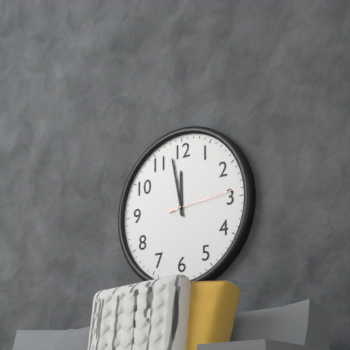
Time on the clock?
11:58:14
